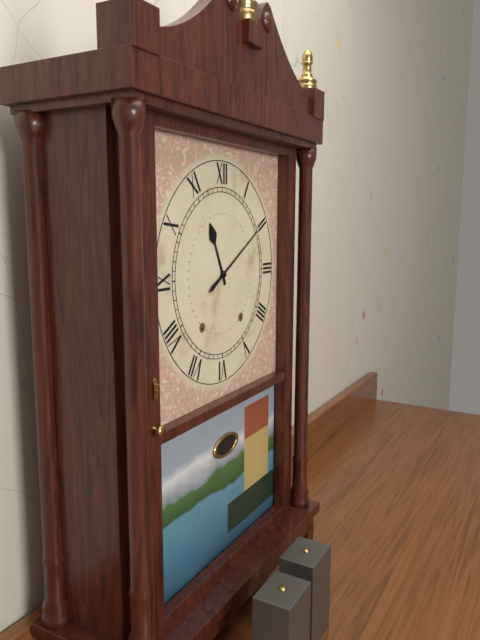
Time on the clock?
11:10
